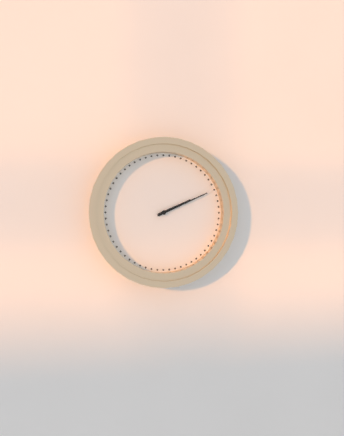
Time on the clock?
2:11
